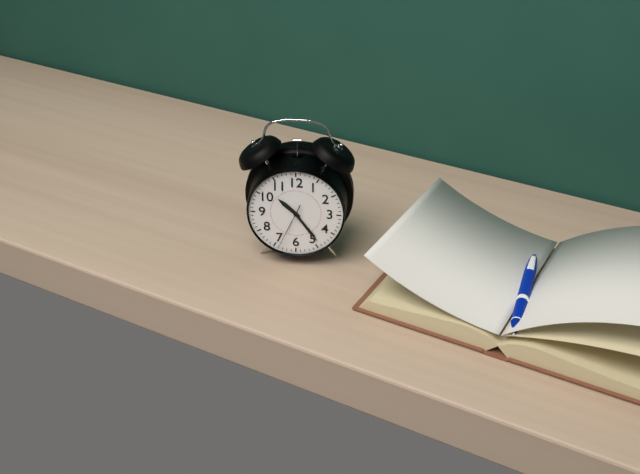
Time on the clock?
10:24:34
